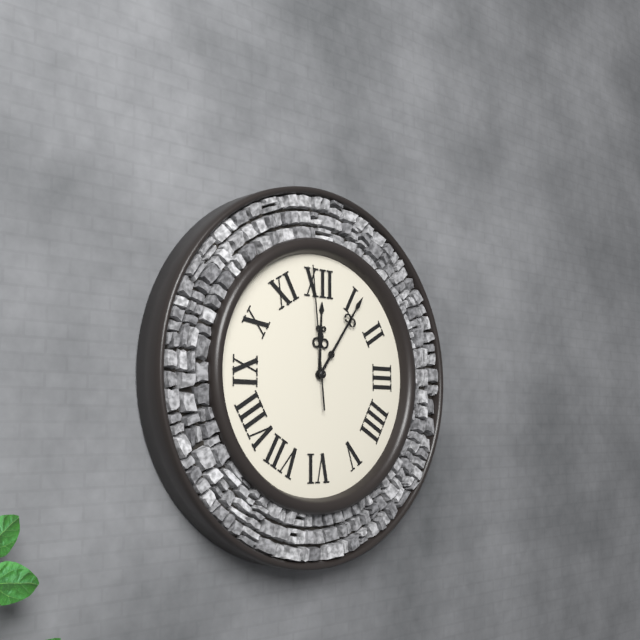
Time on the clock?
12:06:59
